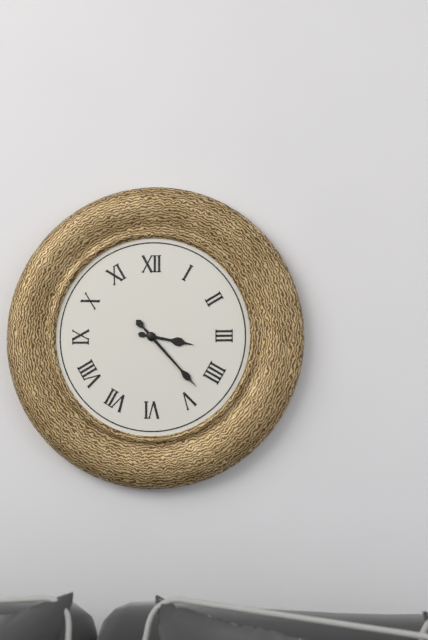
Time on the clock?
3:23
